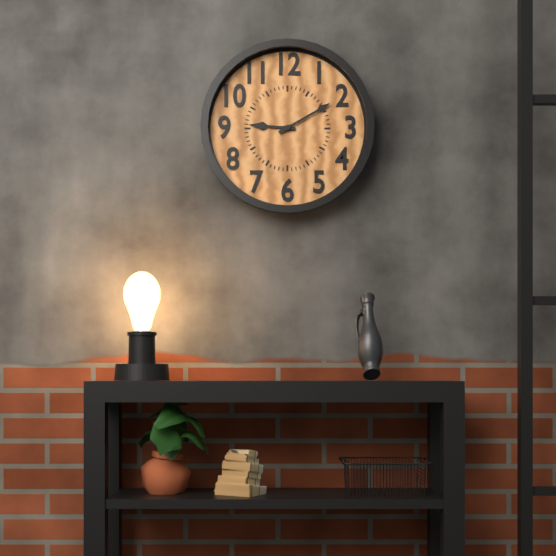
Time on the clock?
9:10
